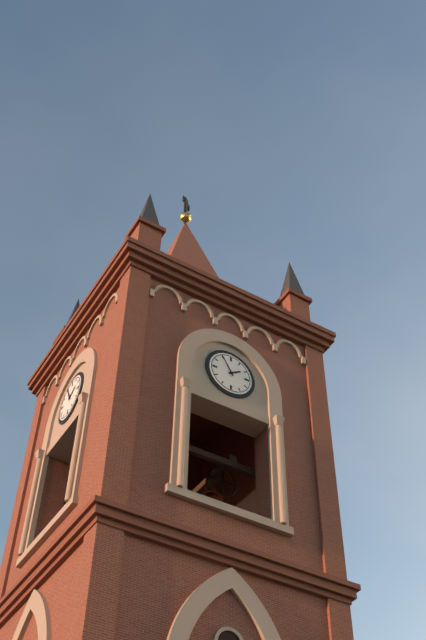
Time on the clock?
1:55
